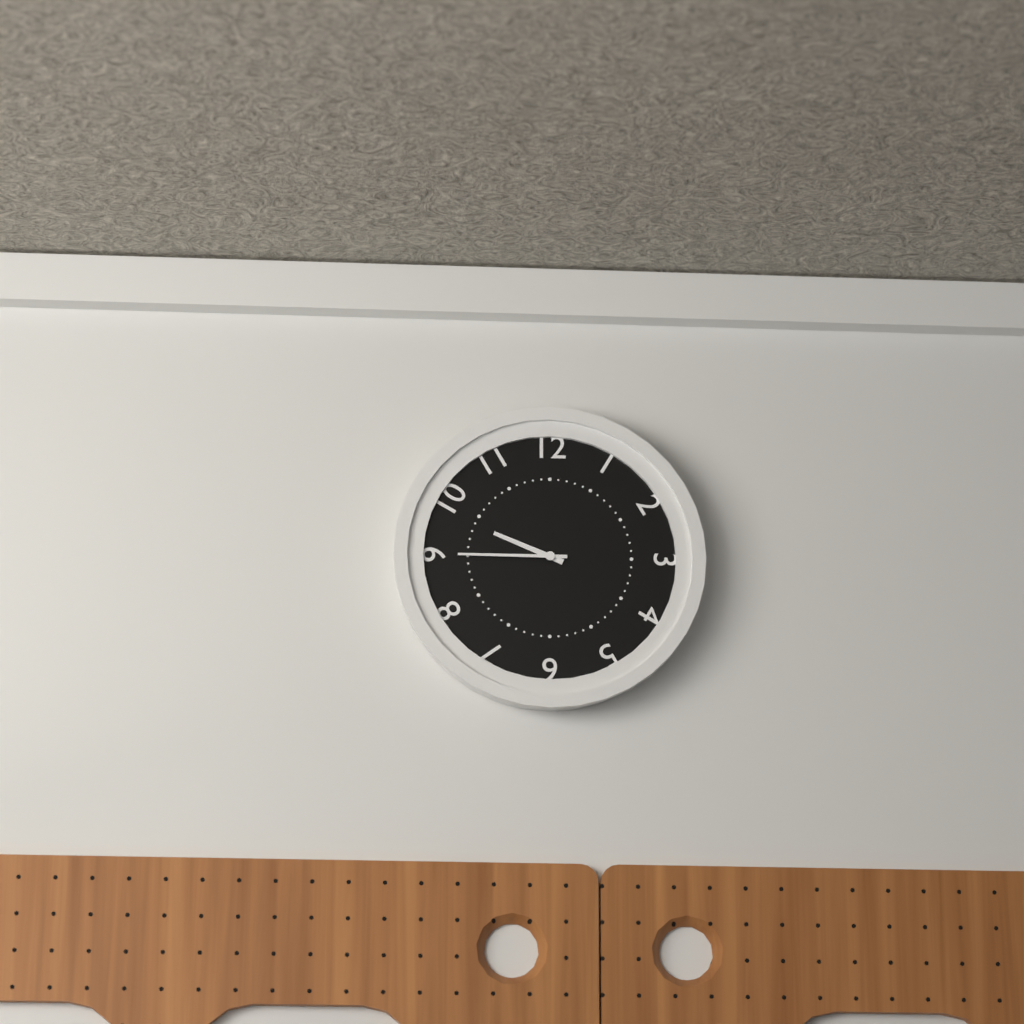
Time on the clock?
9:45
